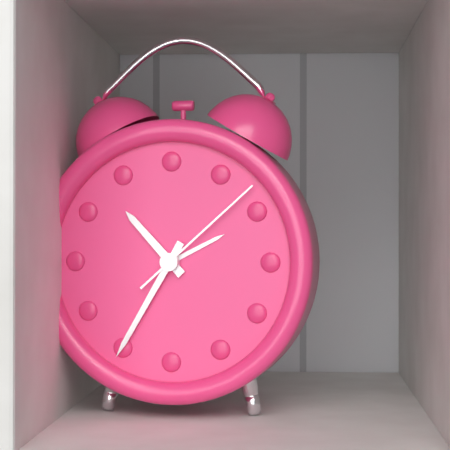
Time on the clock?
10:35:08
